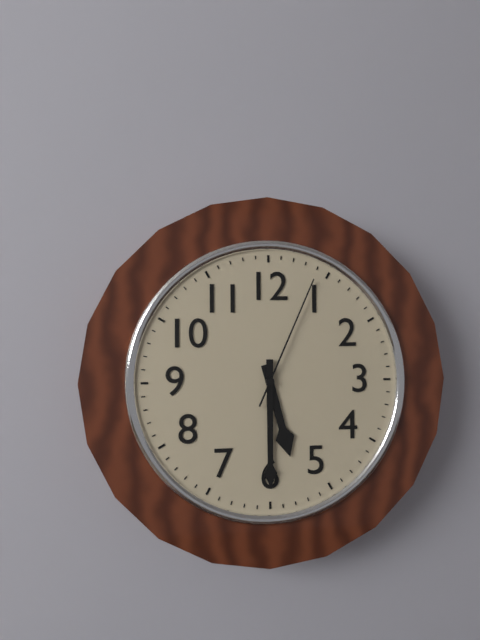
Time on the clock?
5:30:04
